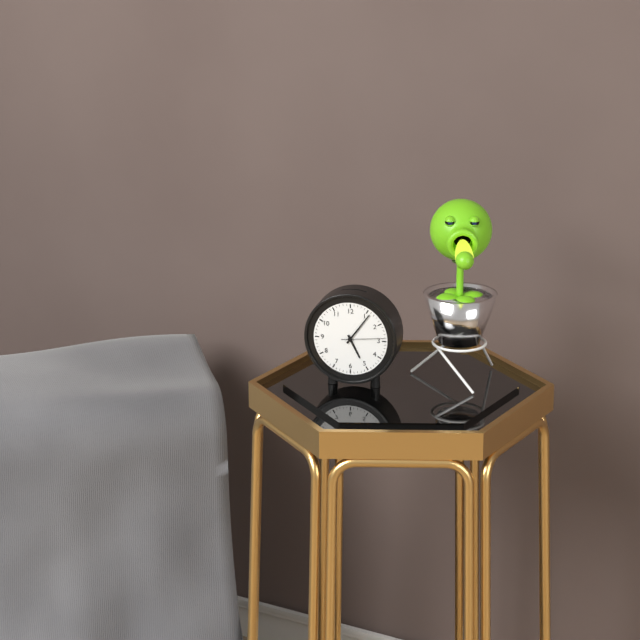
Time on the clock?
5:06
